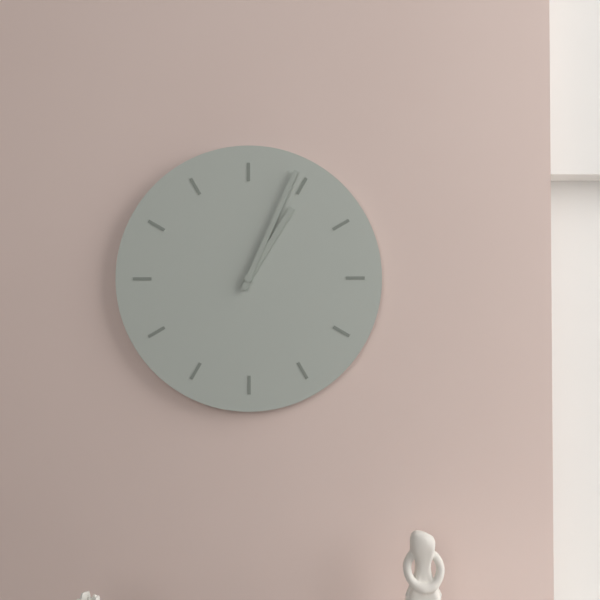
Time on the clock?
1:04
